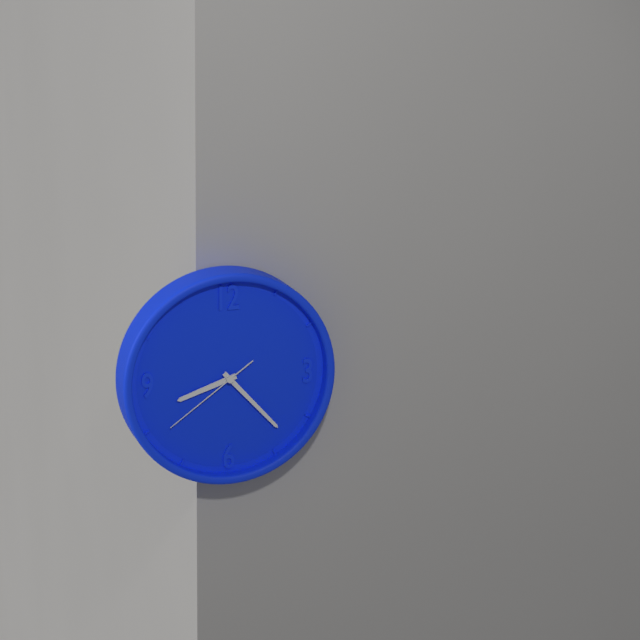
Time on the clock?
8:23:39
